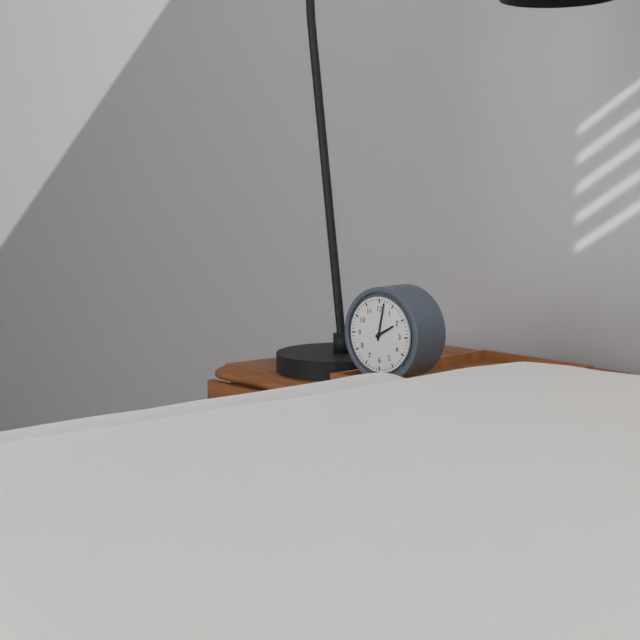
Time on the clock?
2:02
